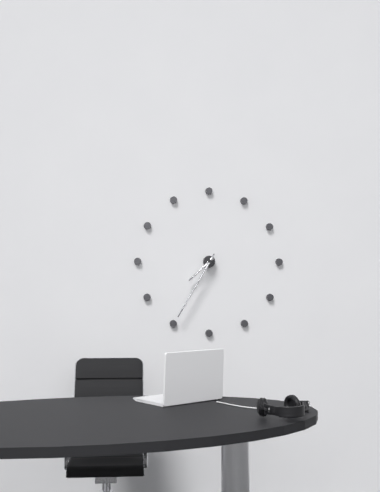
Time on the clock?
7:35
